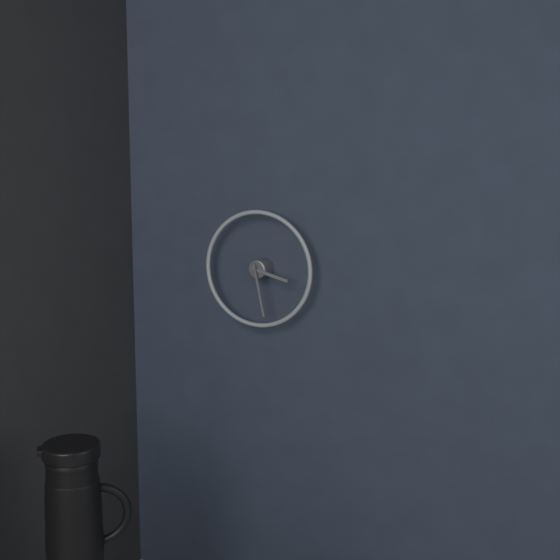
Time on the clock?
3:28
